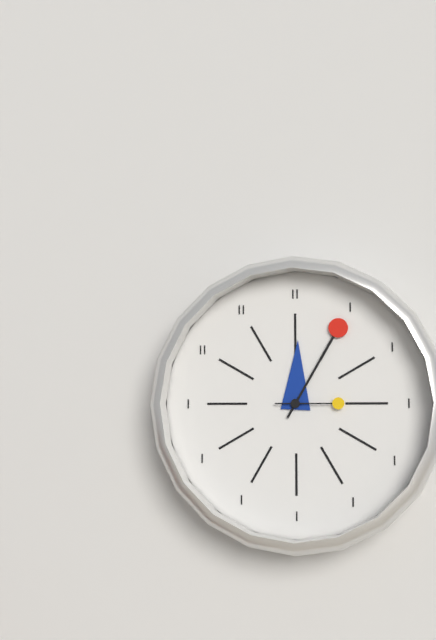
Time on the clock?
12:05:15
